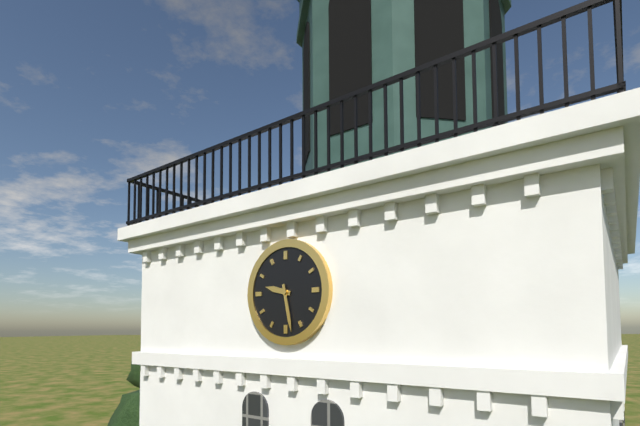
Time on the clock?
9:28
